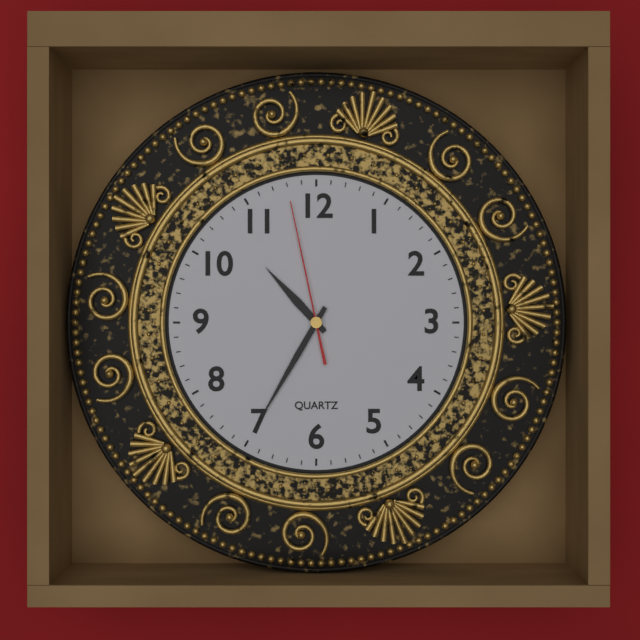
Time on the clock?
10:35:58
